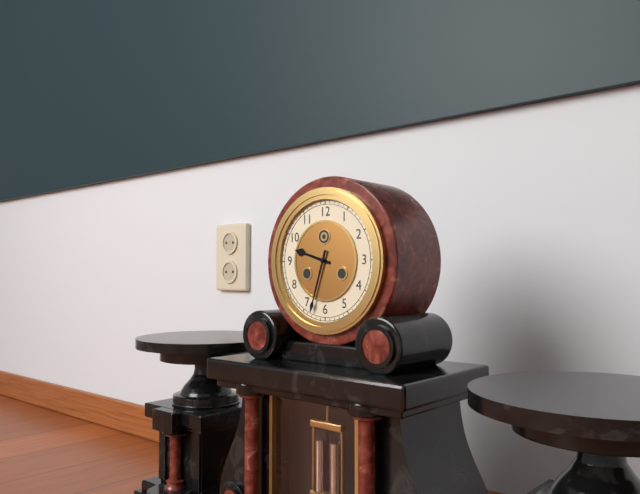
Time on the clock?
9:33
